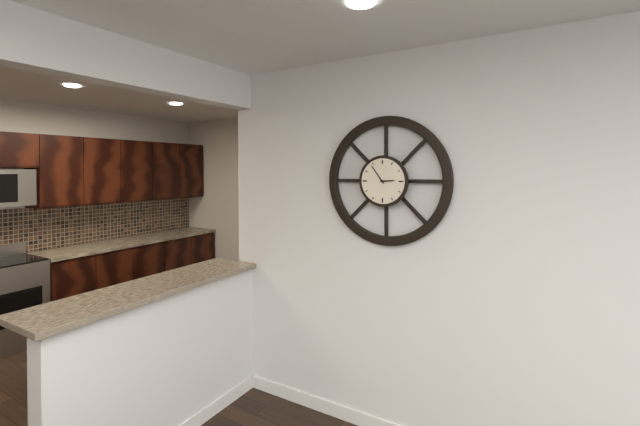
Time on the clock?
2:54
